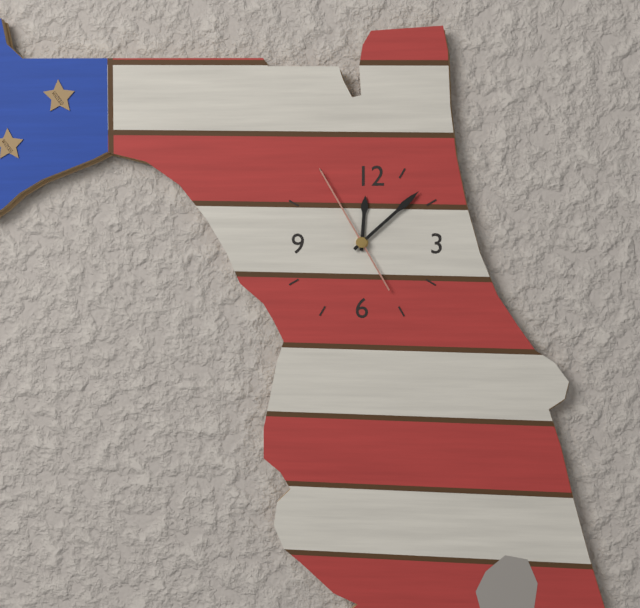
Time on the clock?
12:08:55
